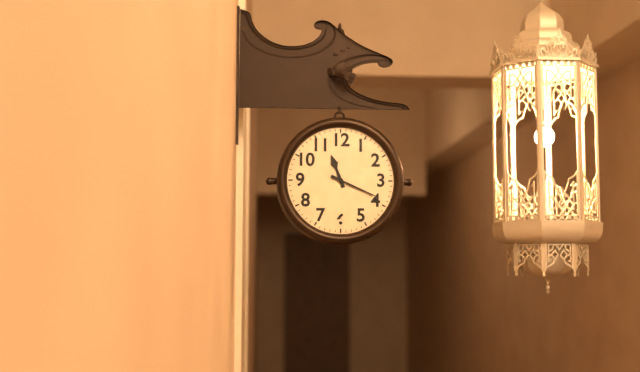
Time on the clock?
11:19
